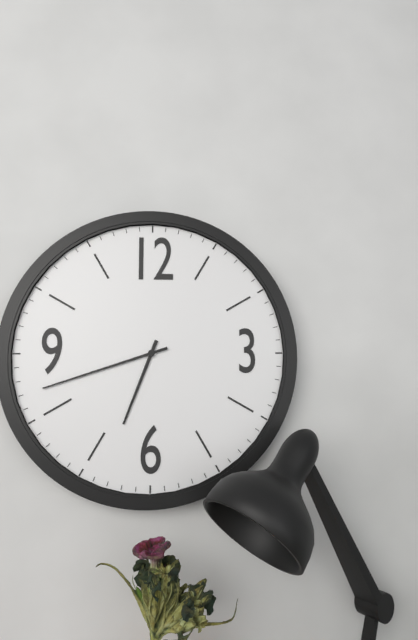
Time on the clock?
6:42
